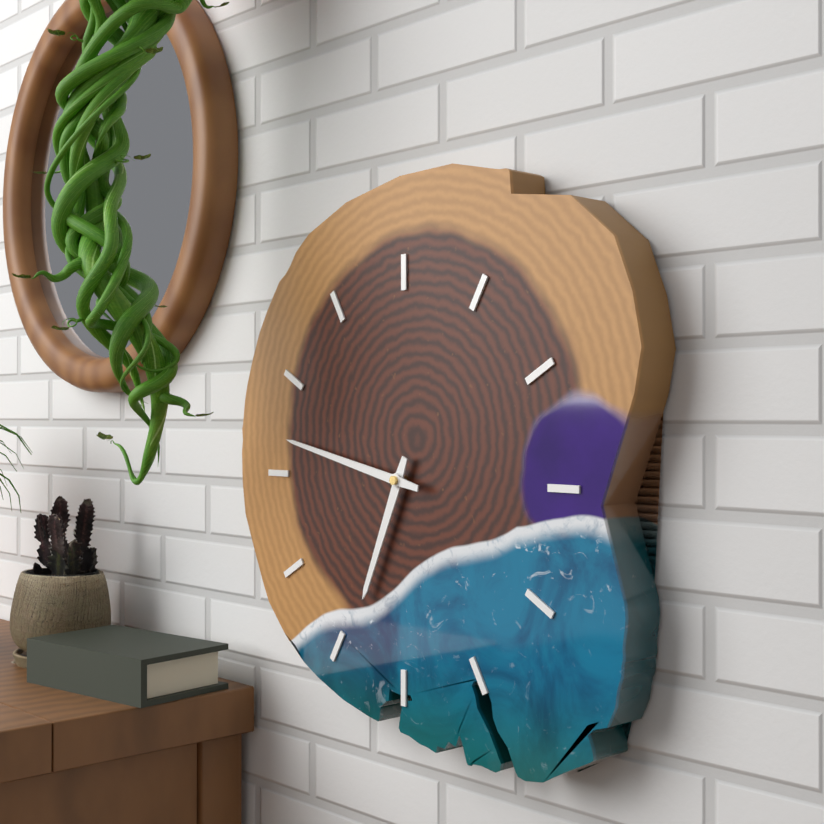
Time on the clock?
6:47
